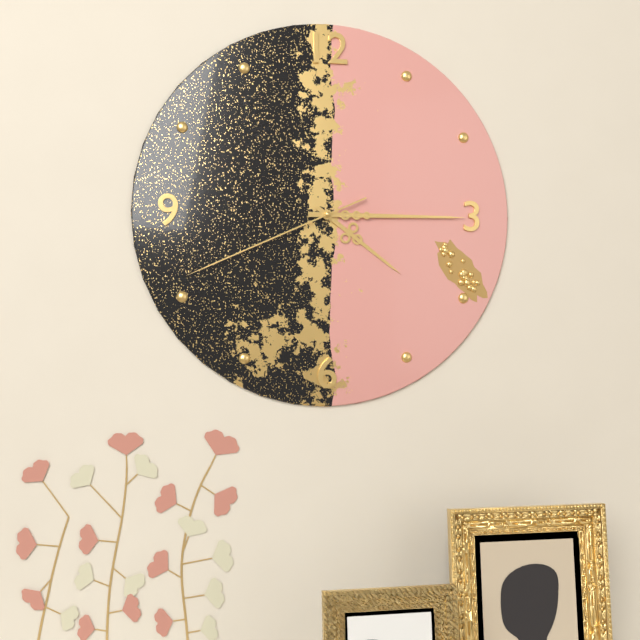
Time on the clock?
4:15:41
